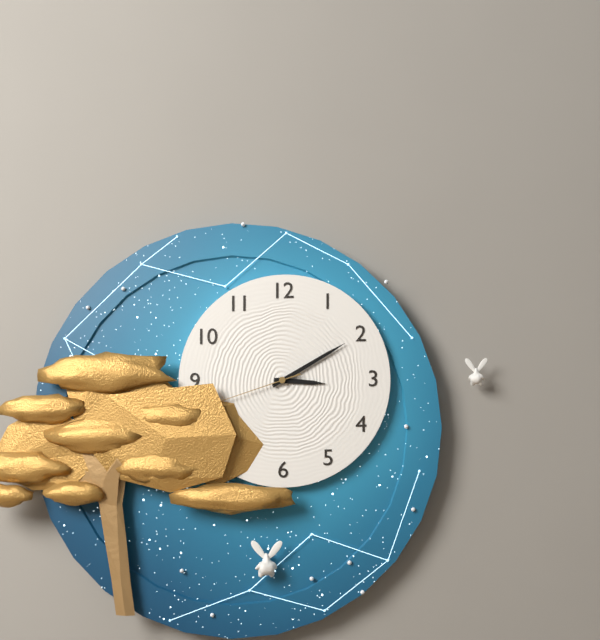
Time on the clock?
3:10:42
